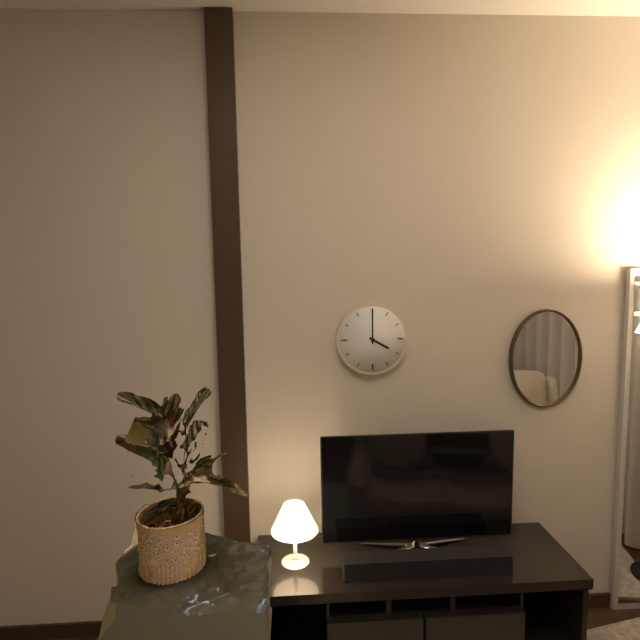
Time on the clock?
4:00
